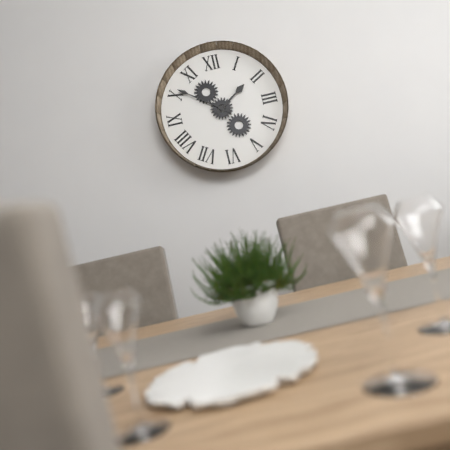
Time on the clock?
1:51
